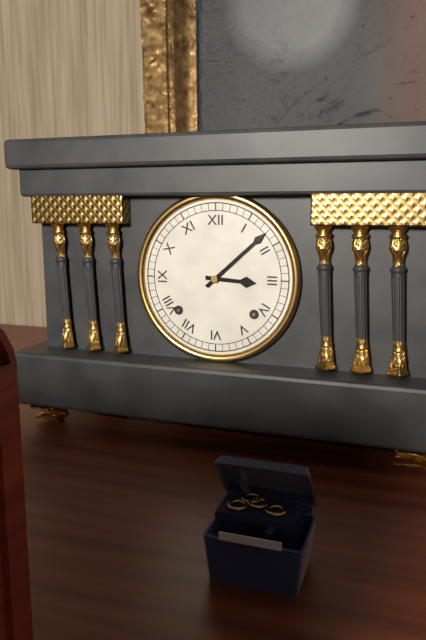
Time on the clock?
3:08
